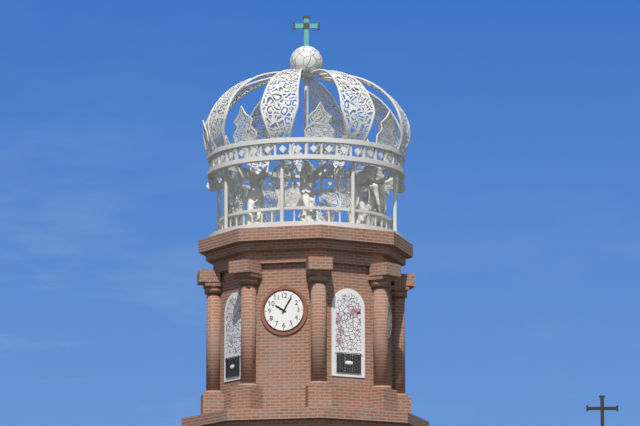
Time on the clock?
10:05
